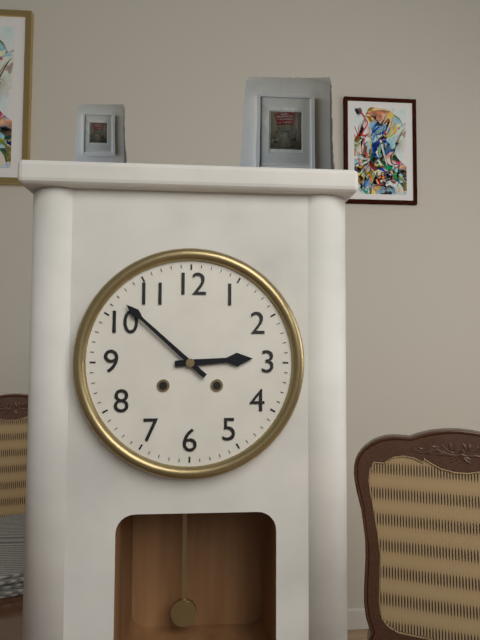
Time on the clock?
2:52
